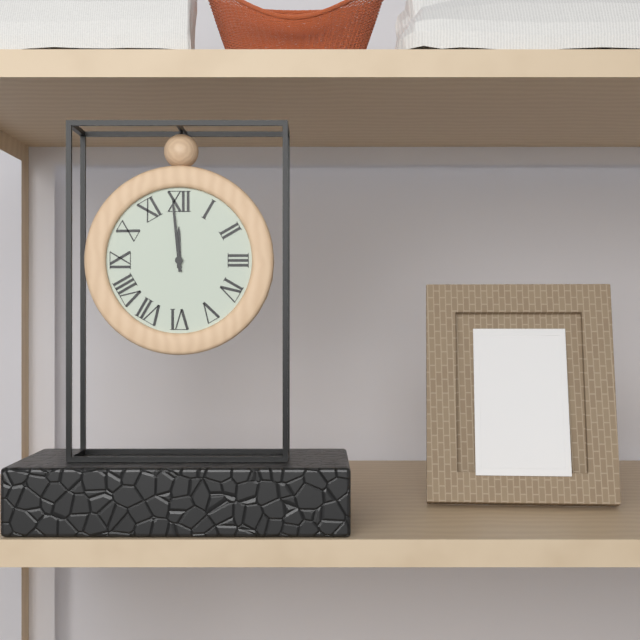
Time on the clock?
11:59
